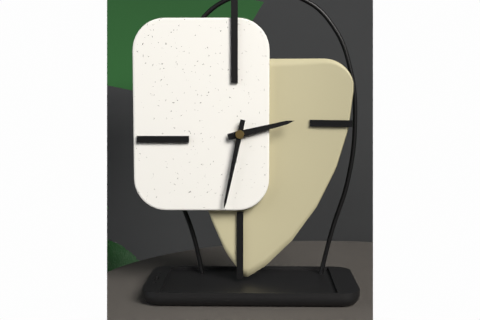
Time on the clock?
2:32
